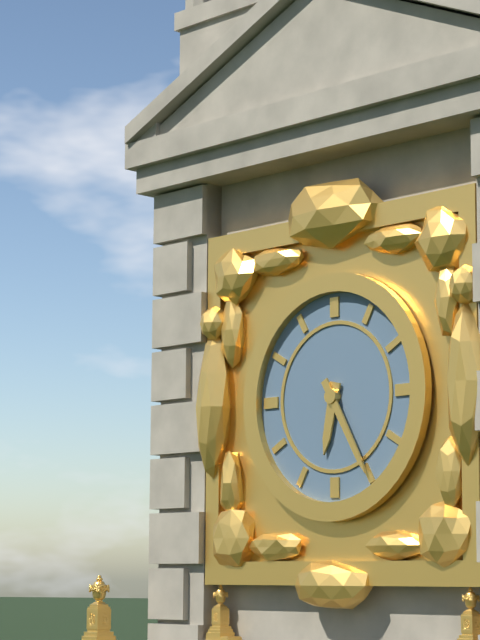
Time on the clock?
6:25
